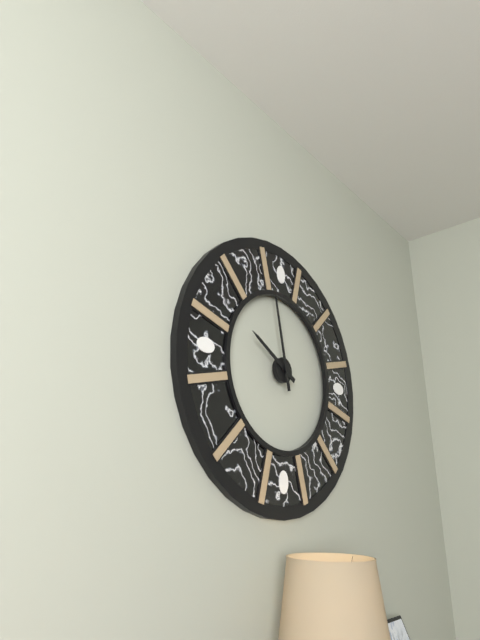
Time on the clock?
9:58
